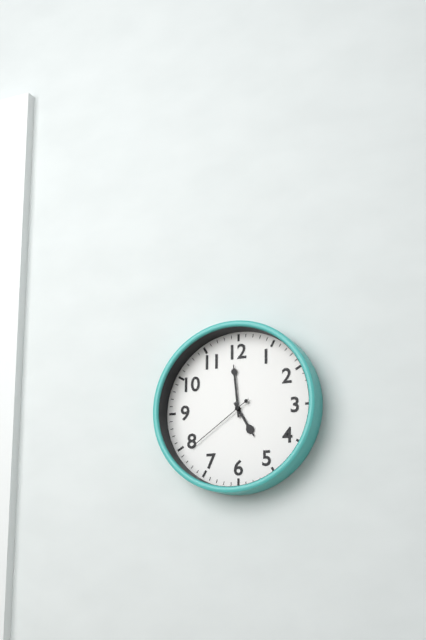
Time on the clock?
4:59:39
